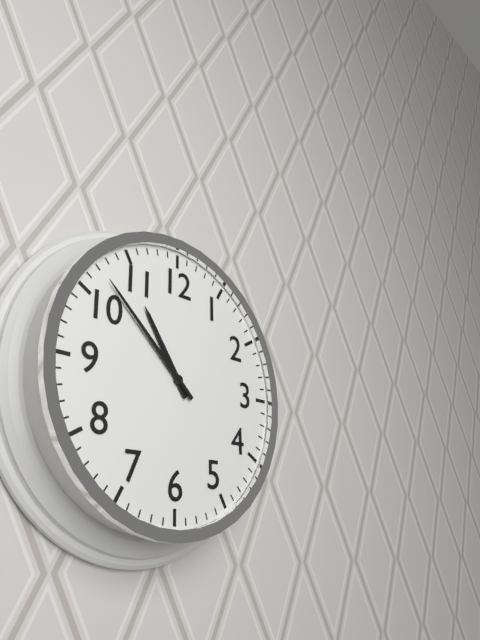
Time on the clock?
10:52
